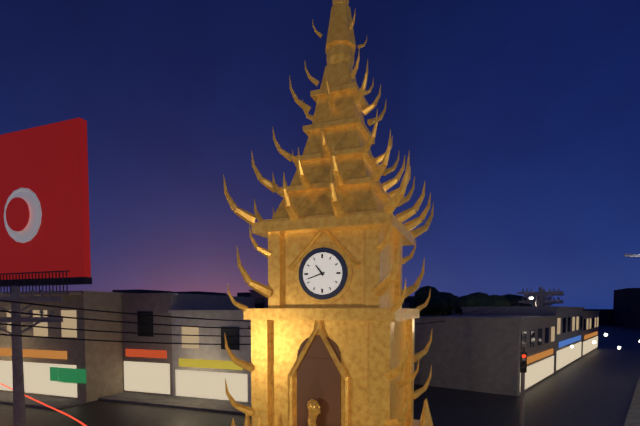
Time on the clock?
10:42
